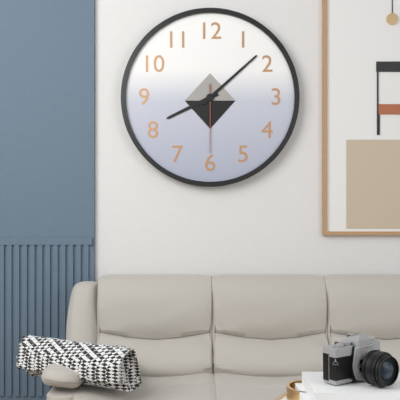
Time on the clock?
8:08:30
